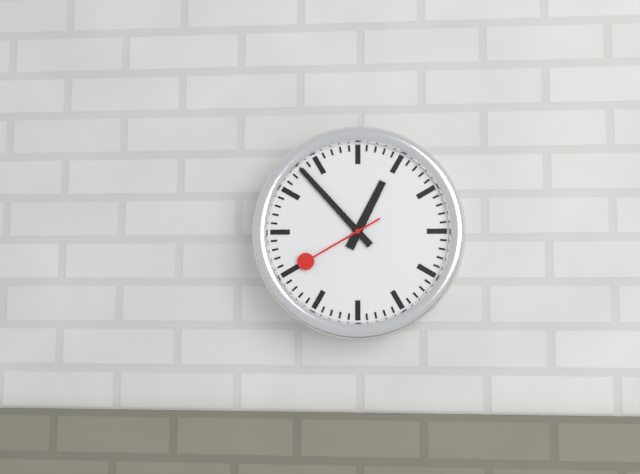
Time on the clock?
12:53:40
